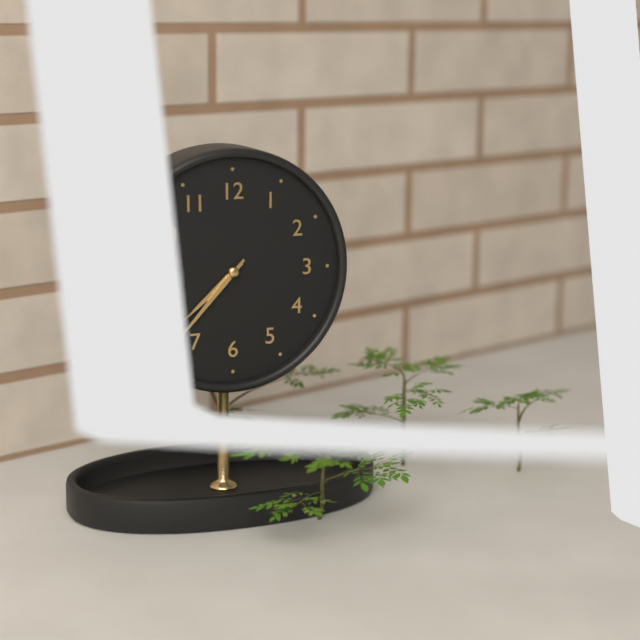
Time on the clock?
7:37
